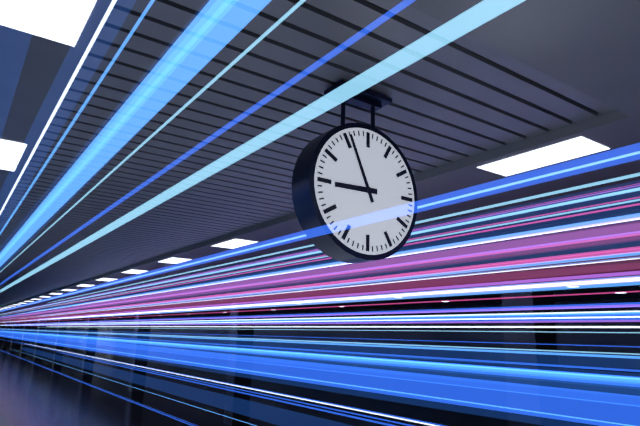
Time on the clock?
8:56
